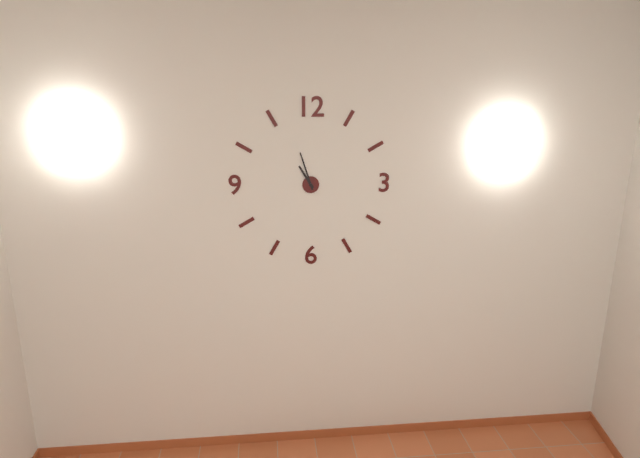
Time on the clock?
10:57
